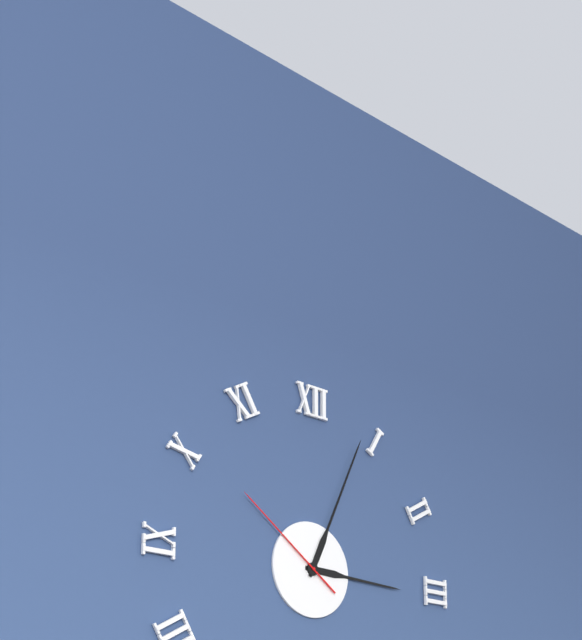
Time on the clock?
3:04:51
